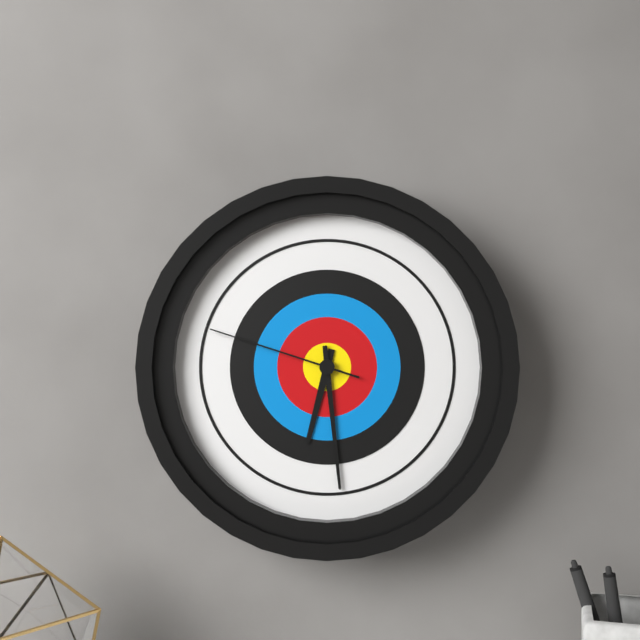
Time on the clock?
6:29:48
